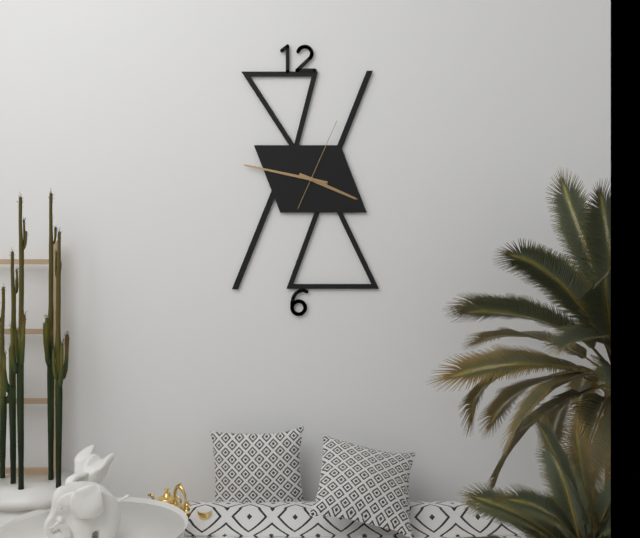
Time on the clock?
3:47:04
